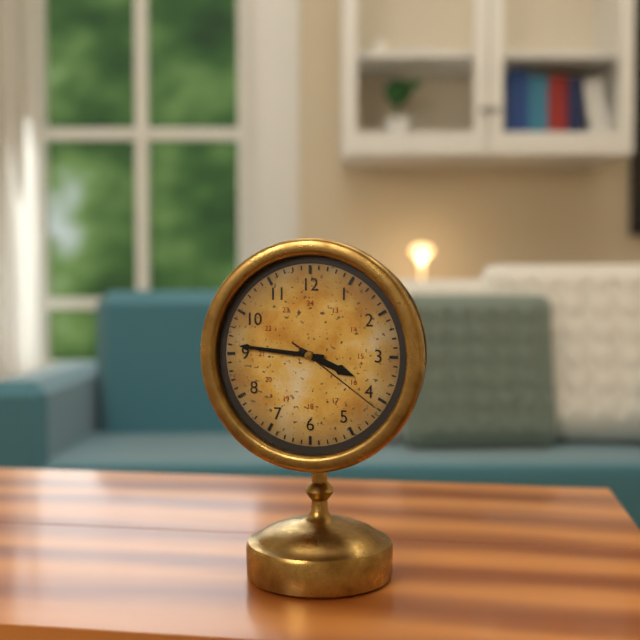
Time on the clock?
3:46:21
